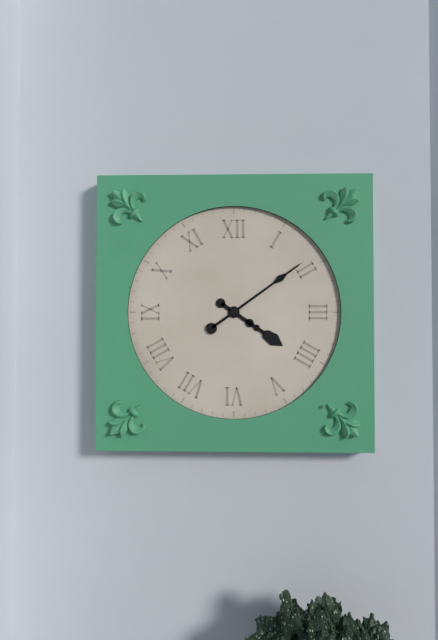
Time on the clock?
4:09
